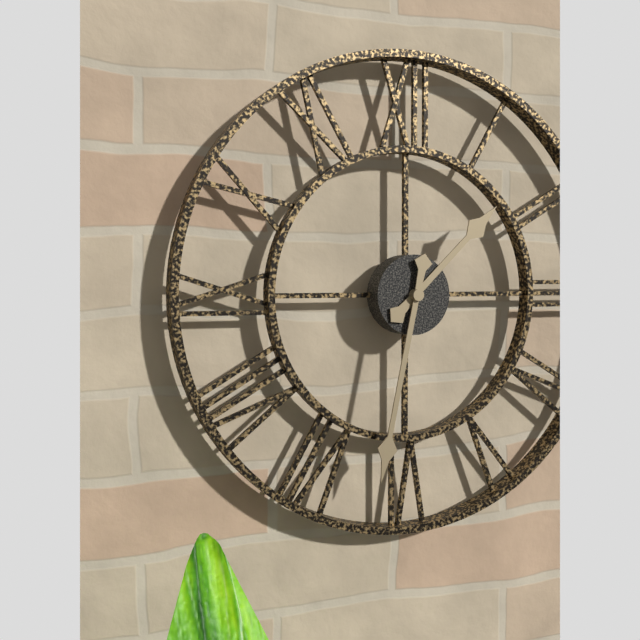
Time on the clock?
1:32
